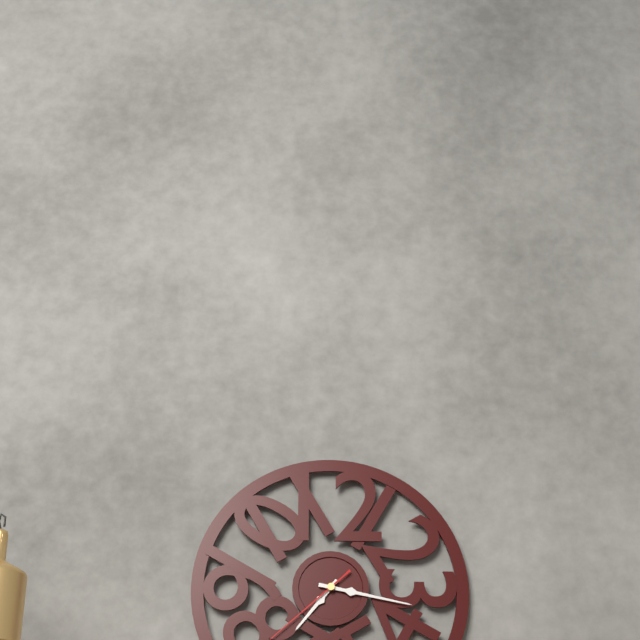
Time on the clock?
7:17
